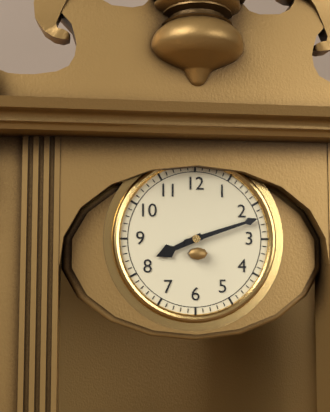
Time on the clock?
8:12
